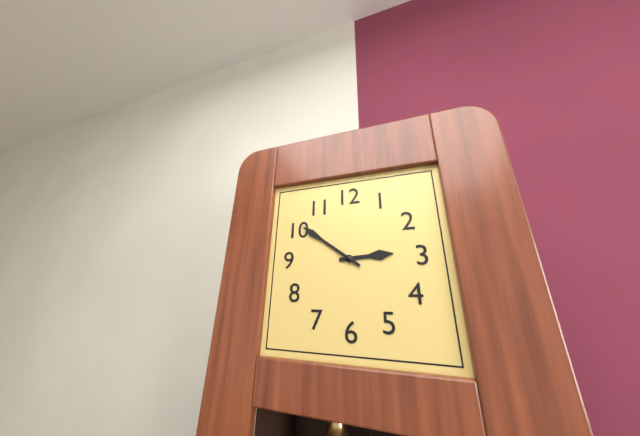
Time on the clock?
2:51
